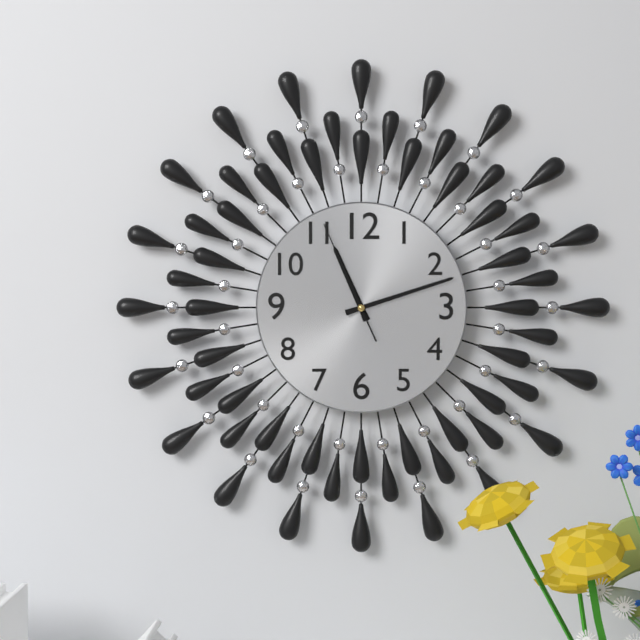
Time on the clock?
11:12:56
